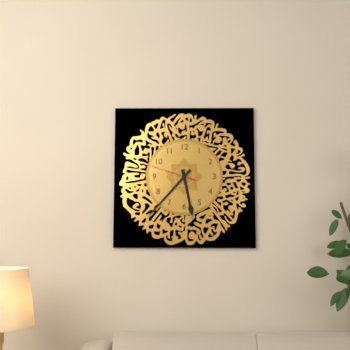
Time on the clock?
5:37:48
